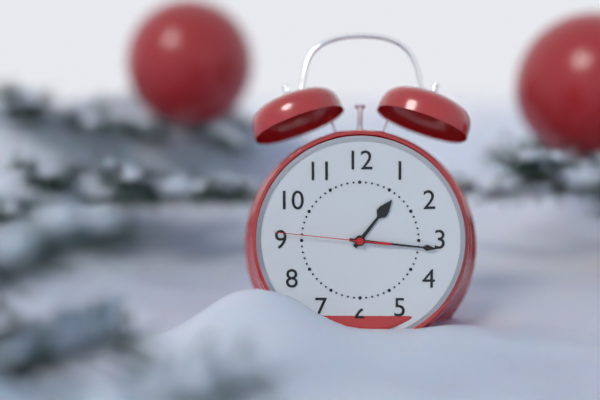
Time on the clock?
1:16:46
